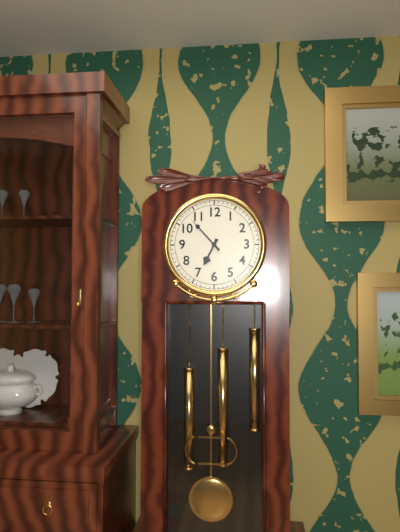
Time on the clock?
6:53
